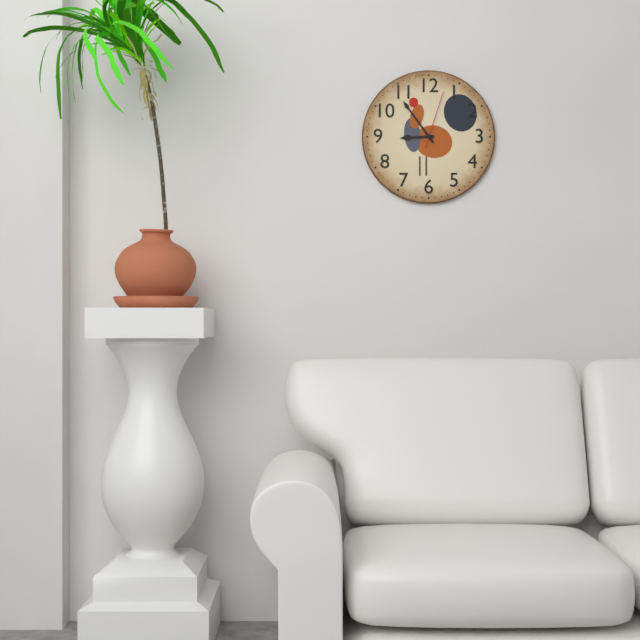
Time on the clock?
8:54:03
